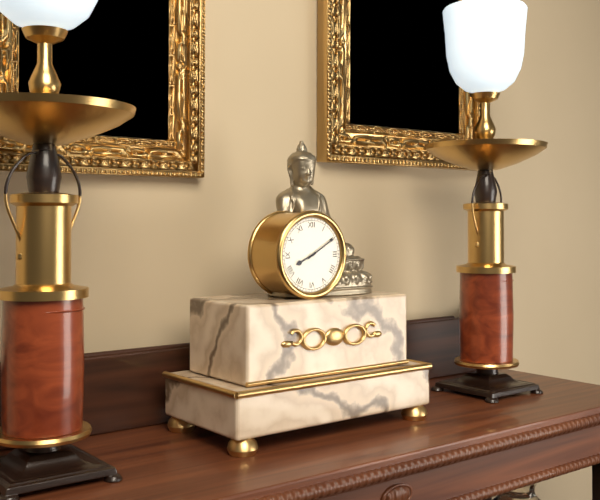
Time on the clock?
8:10
